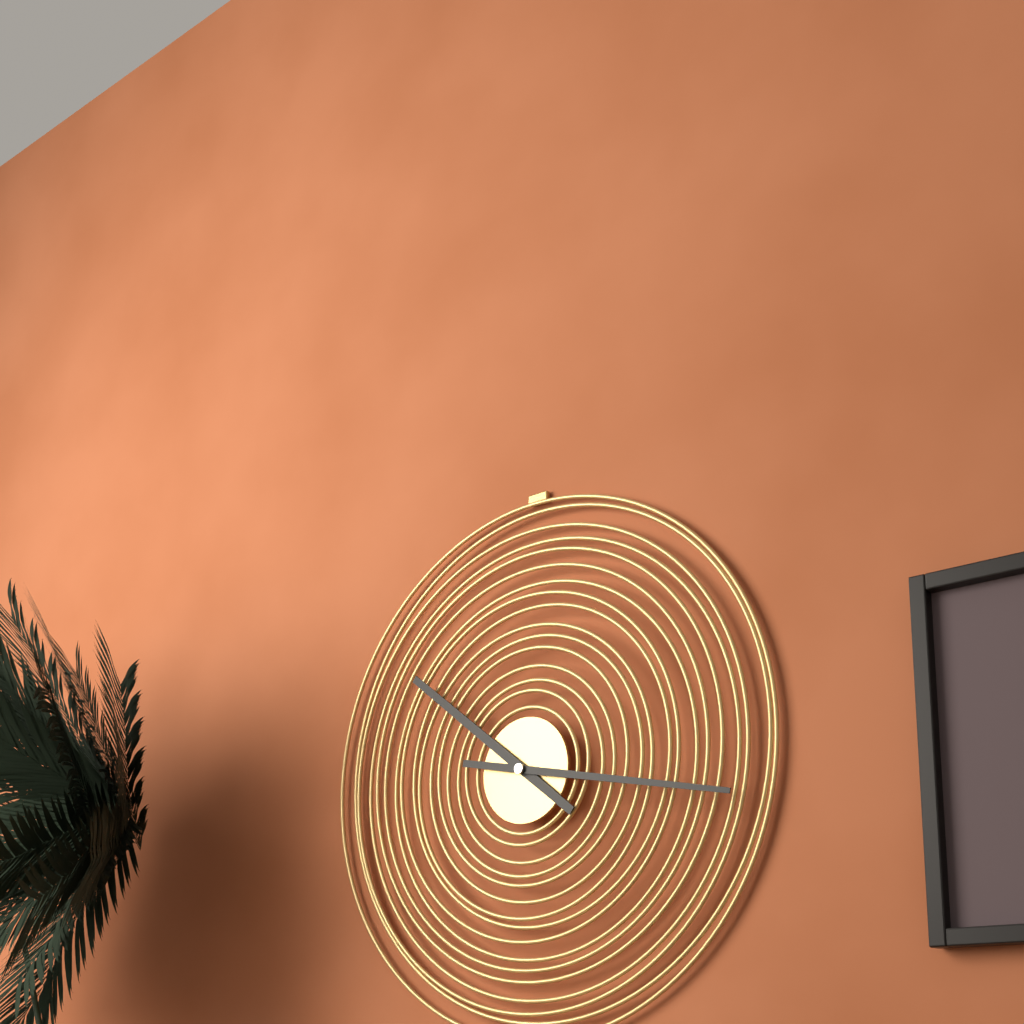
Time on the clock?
10:17
